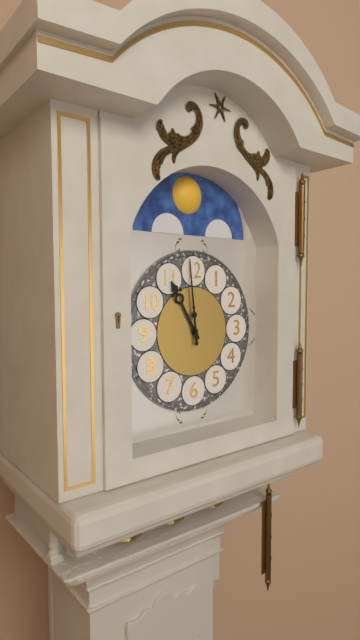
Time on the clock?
10:59
